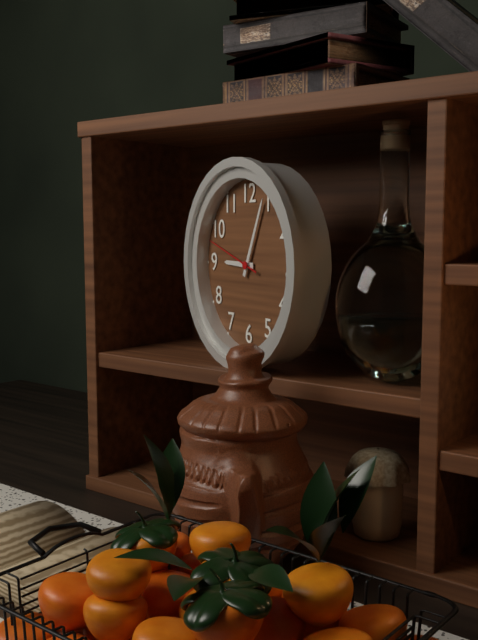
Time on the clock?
9:04:48
